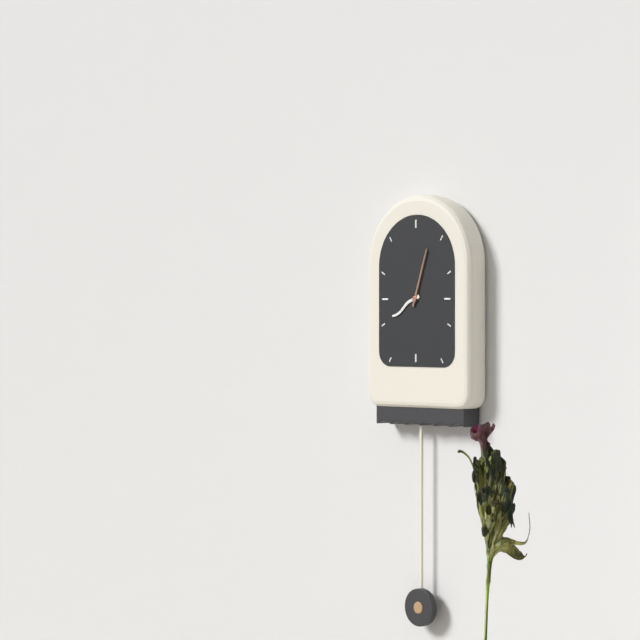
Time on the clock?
8:03
